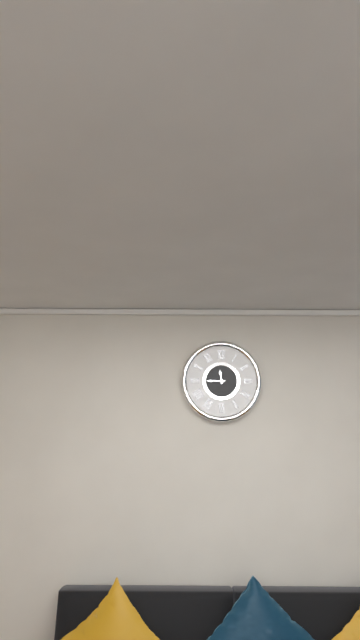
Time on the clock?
11:45
